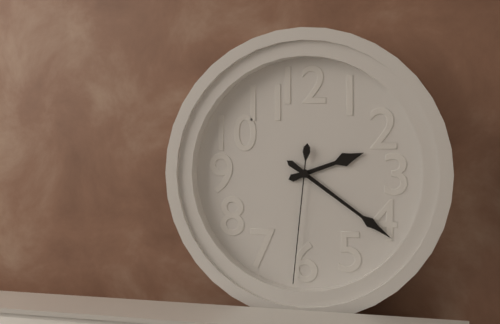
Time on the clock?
2:21:31
